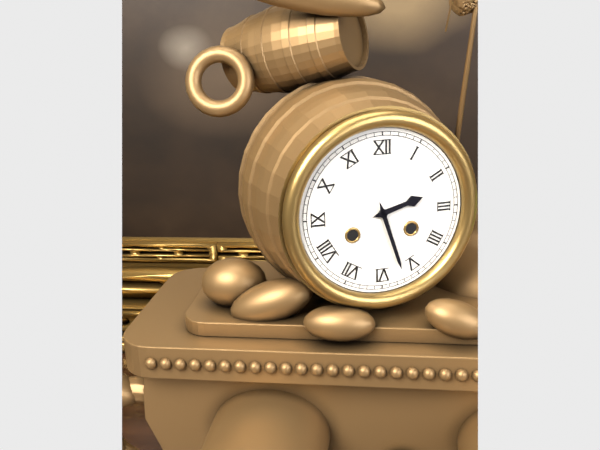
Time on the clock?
2:27
